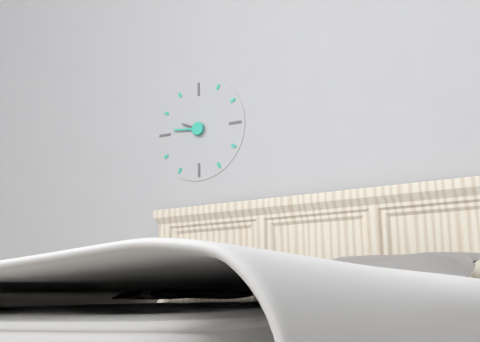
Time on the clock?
9:46
